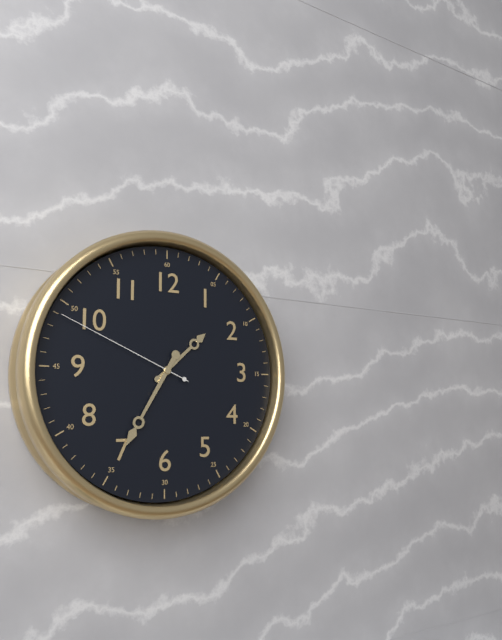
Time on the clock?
1:35:49
